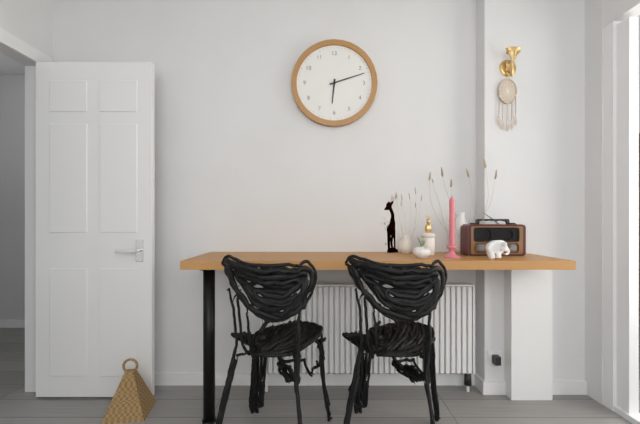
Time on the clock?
6:12
